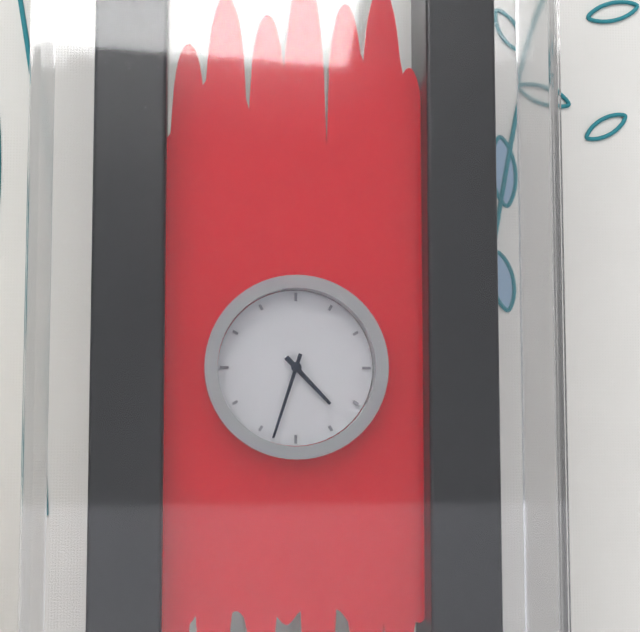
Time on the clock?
4:33
